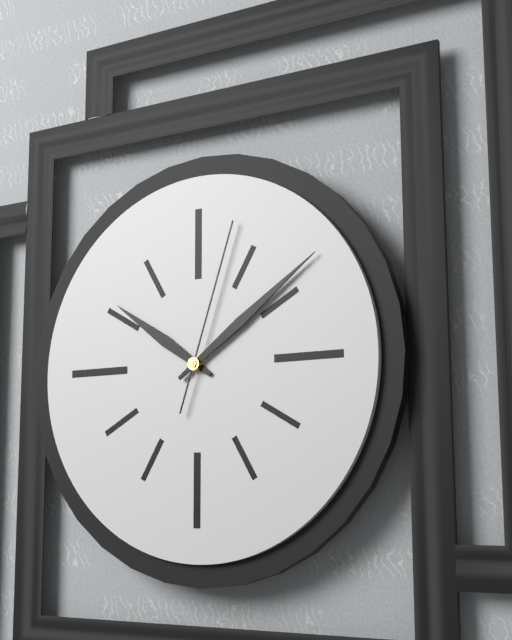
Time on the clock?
10:09:03
